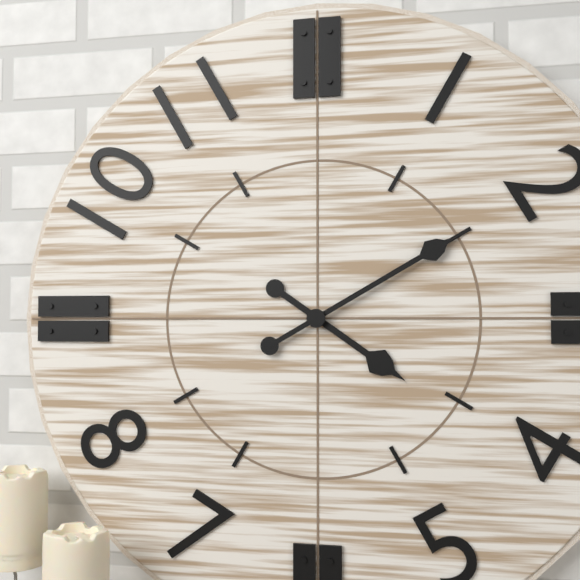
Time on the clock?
4:10
